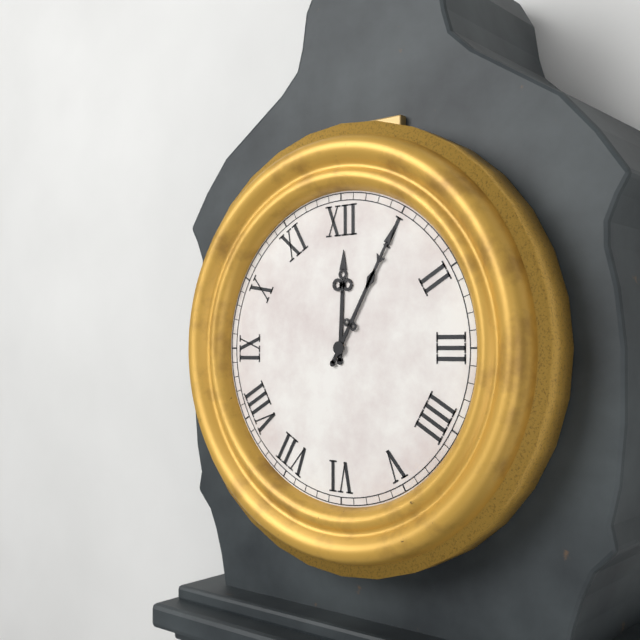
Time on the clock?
12:05
